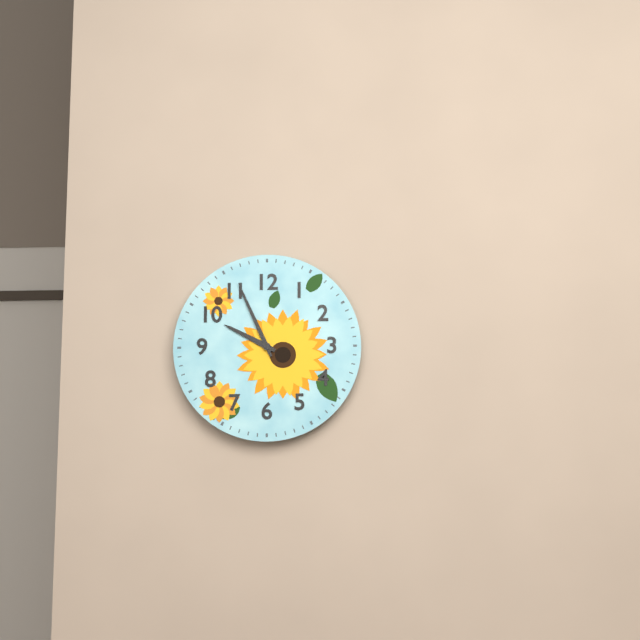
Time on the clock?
9:56
